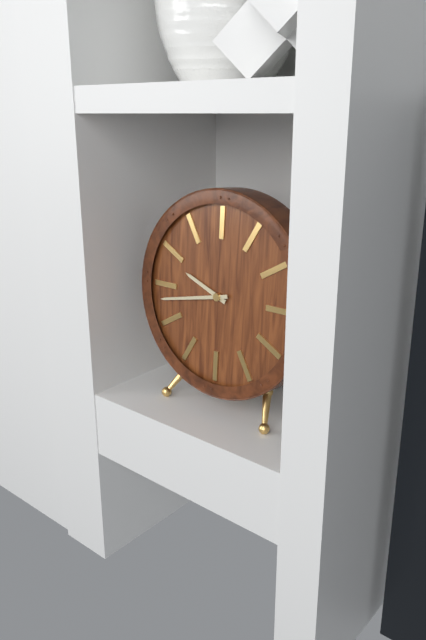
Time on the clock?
9:43
